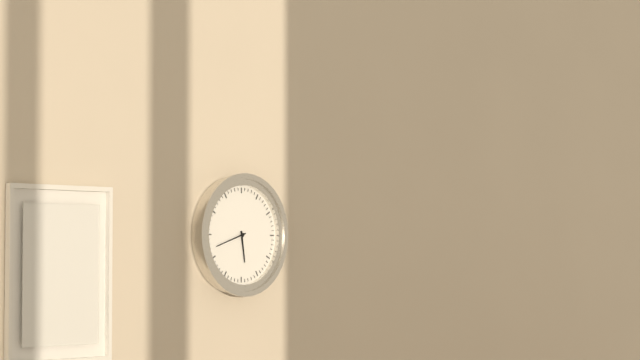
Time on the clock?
5:42
